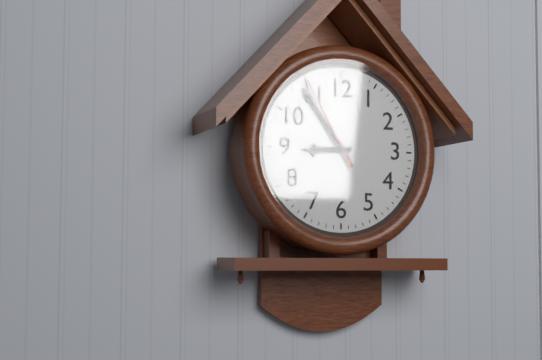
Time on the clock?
8:54:55
